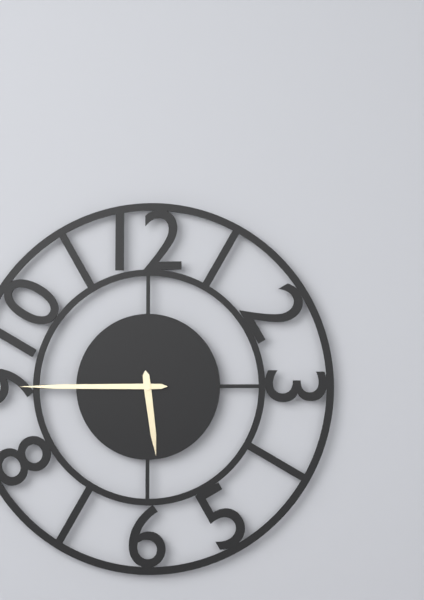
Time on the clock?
5:45
